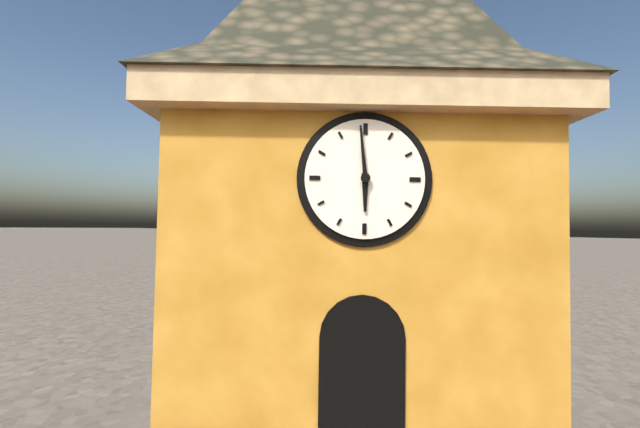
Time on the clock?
5:59
